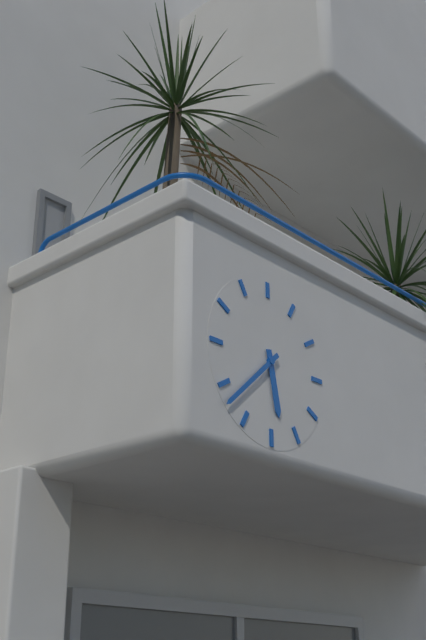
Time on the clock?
5:38
